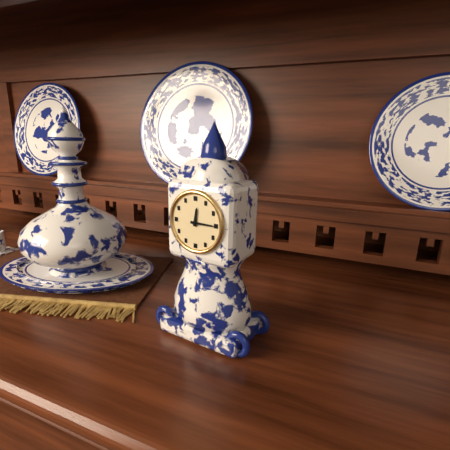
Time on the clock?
12:15
